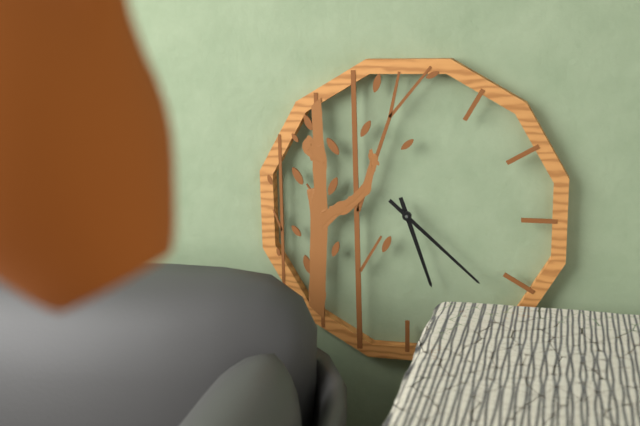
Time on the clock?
5:22
